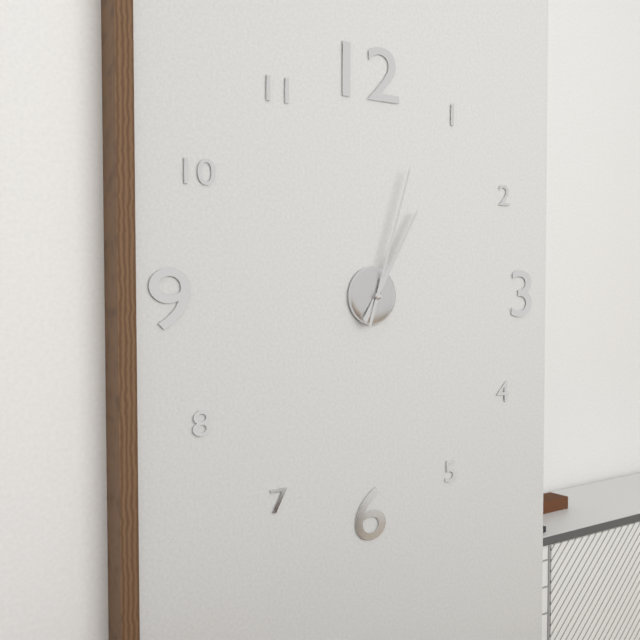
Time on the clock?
1:03
